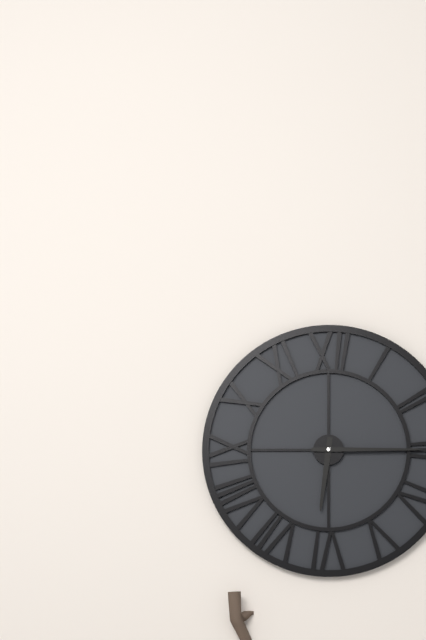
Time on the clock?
6:15
